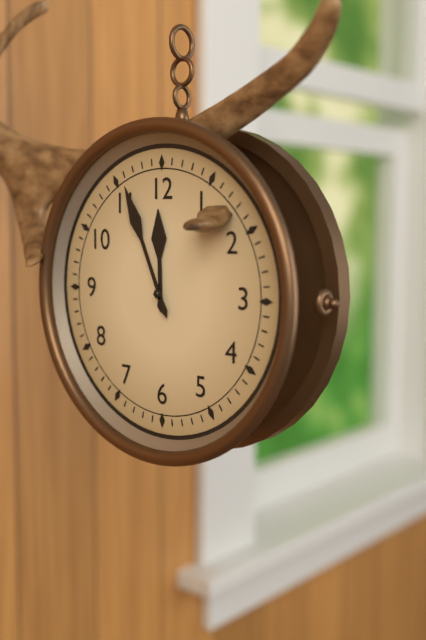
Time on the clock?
11:56
